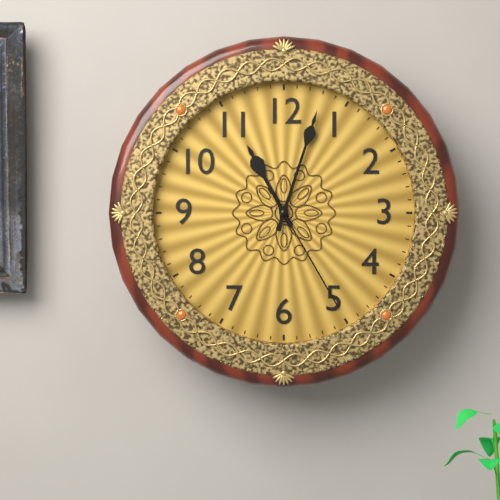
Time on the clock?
11:03:25
